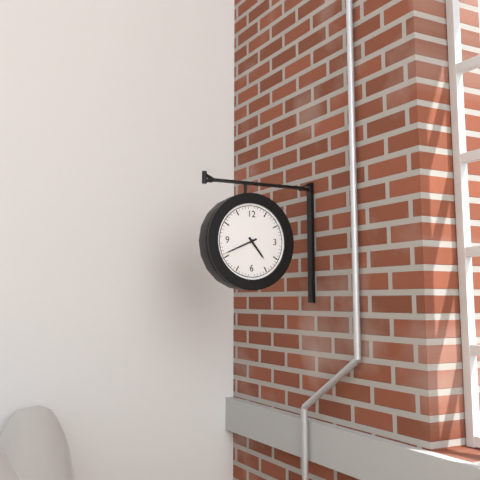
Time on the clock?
4:41
